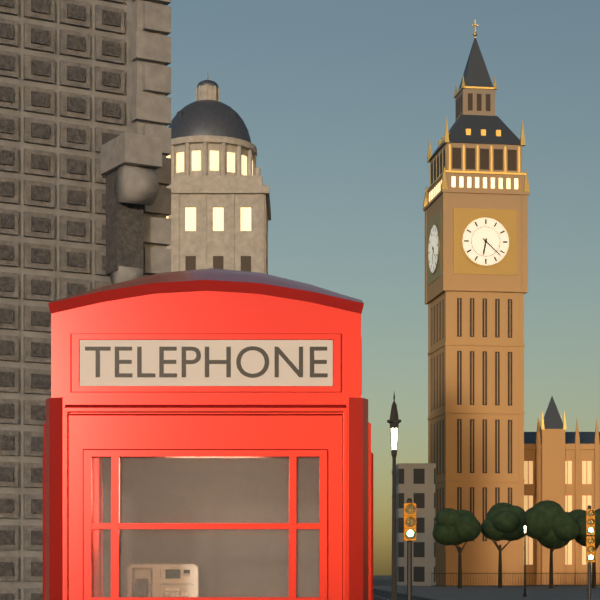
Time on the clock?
6:22
